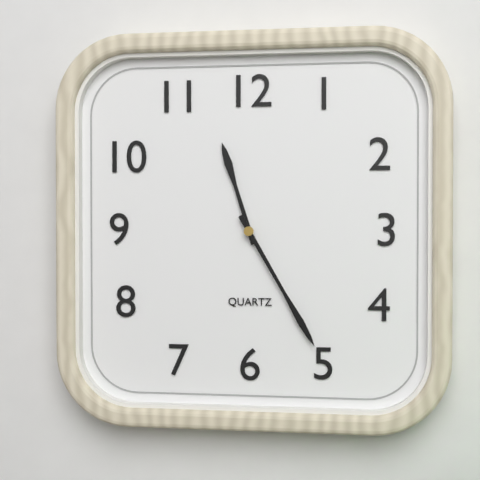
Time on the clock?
11:25
